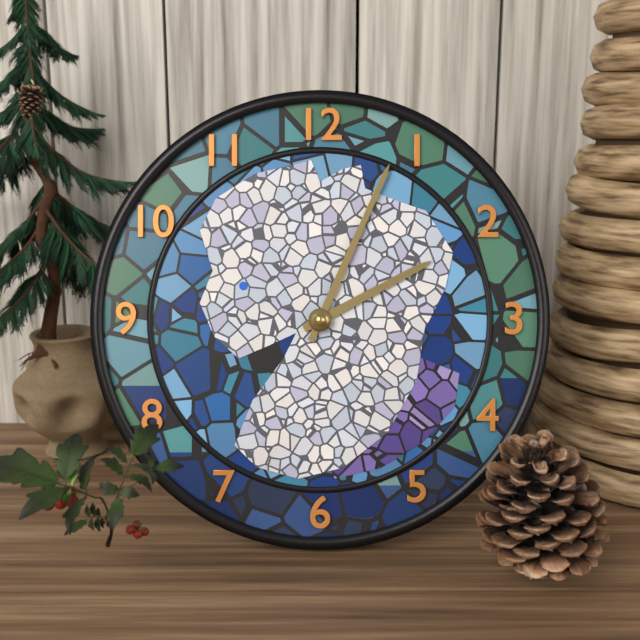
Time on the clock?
2:04
